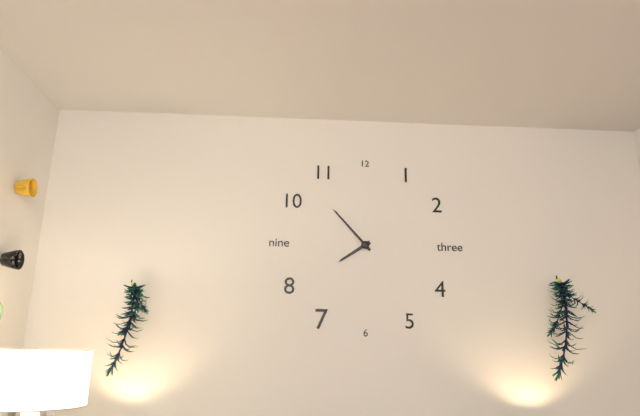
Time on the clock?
7:53
